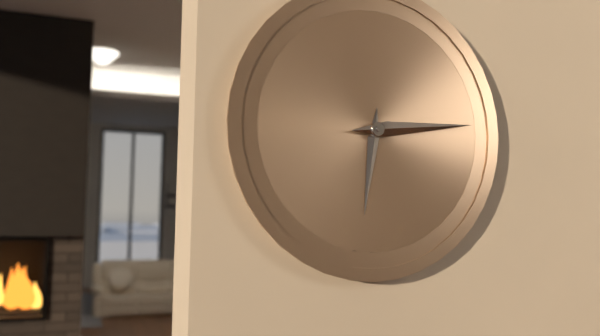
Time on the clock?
6:14
